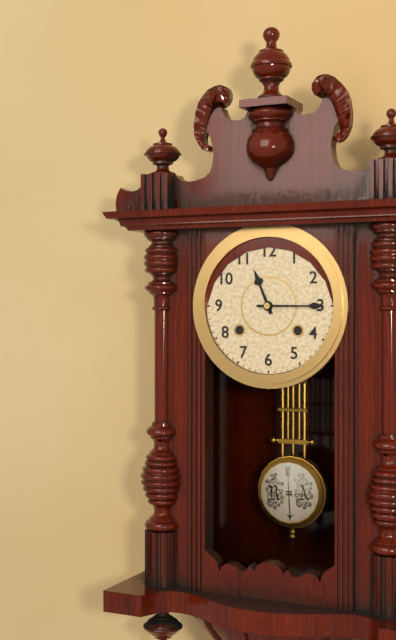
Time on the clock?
11:15
